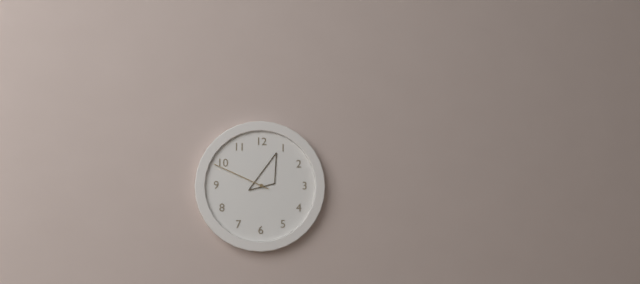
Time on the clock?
12:49
